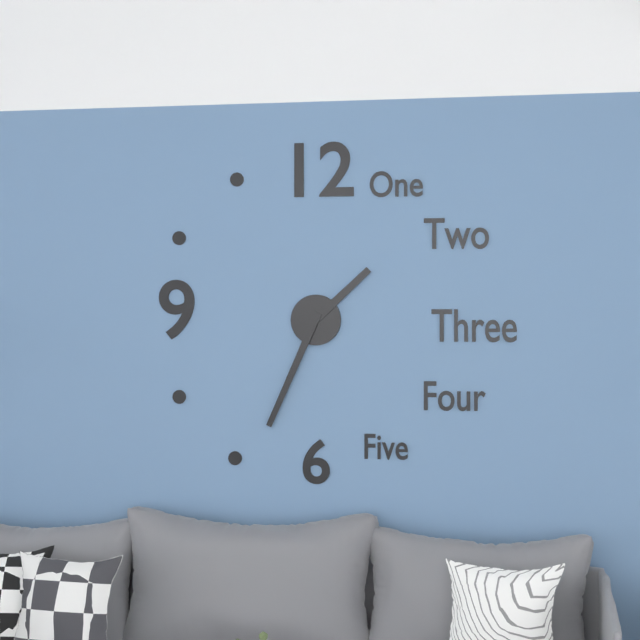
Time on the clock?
1:34
